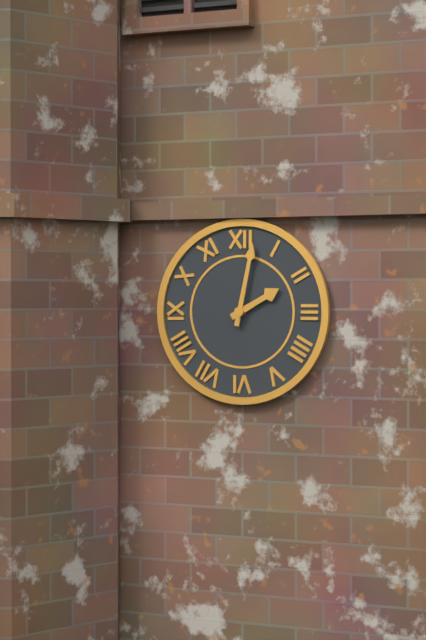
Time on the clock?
2:02
